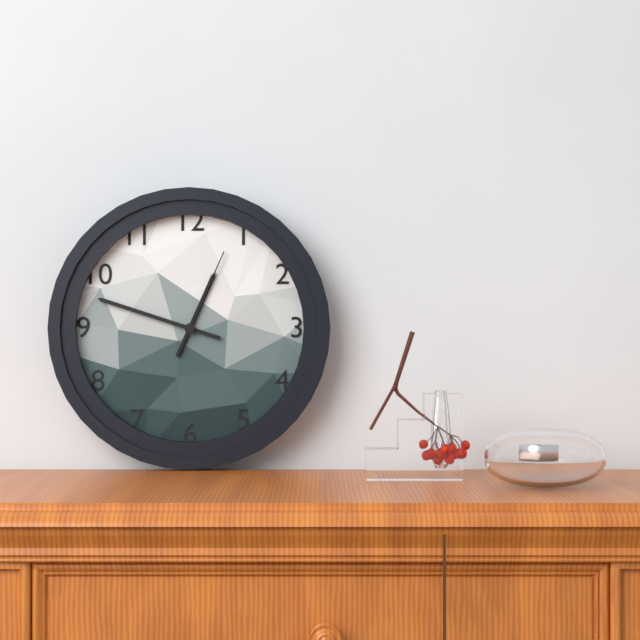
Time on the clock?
12:48:04
